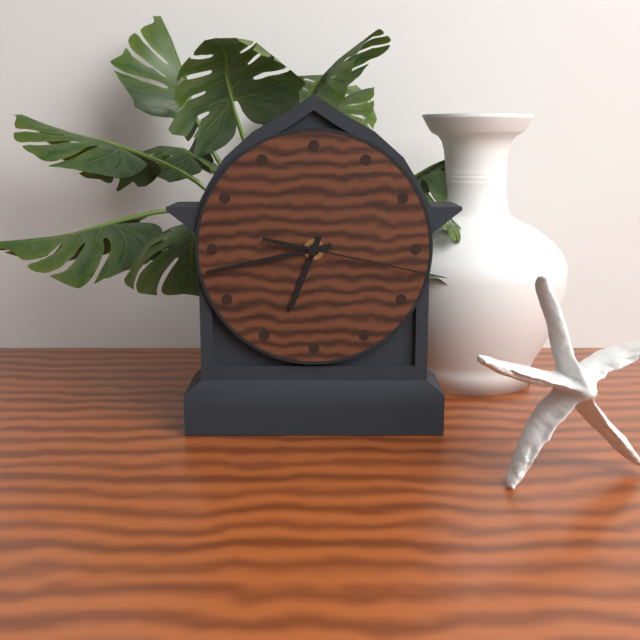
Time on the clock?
6:43:17
